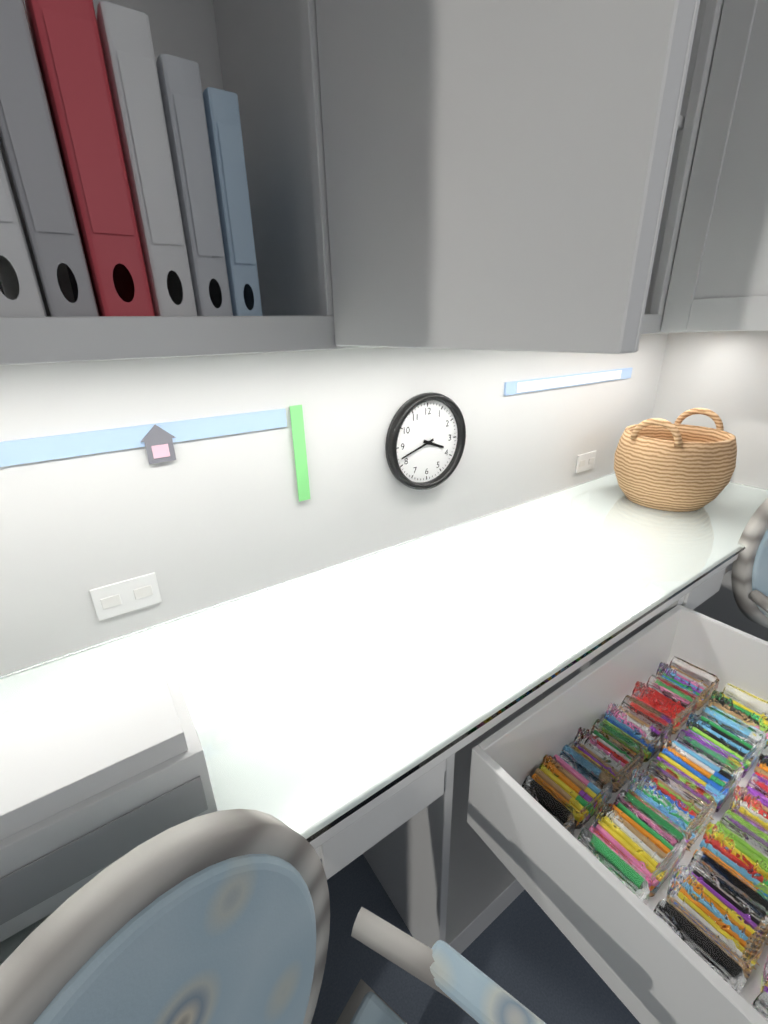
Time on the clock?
3:42
